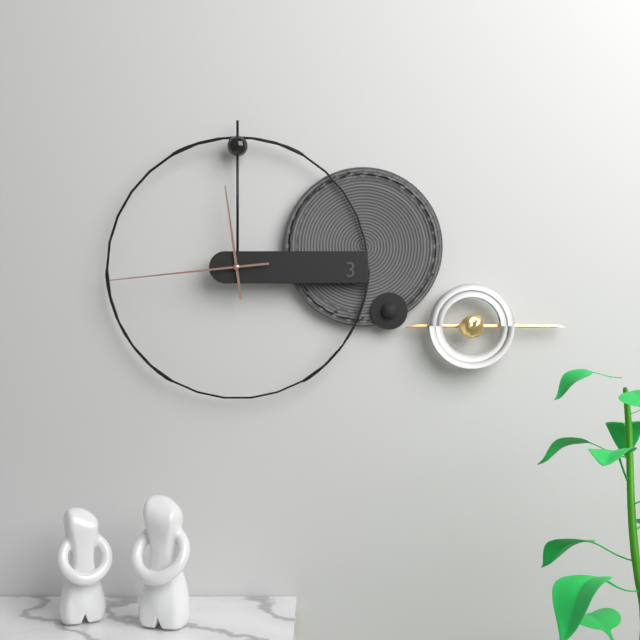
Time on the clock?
11:44
